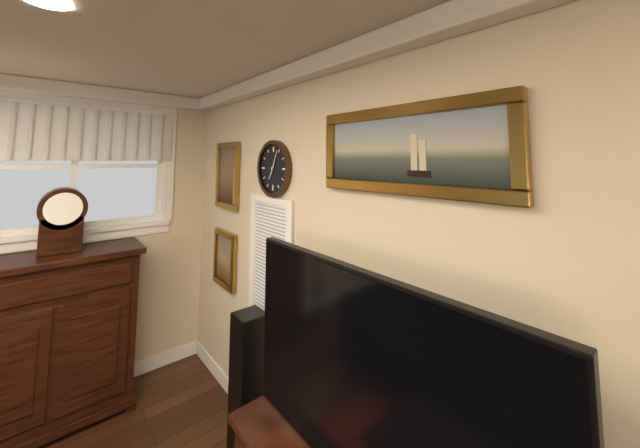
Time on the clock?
7:04
